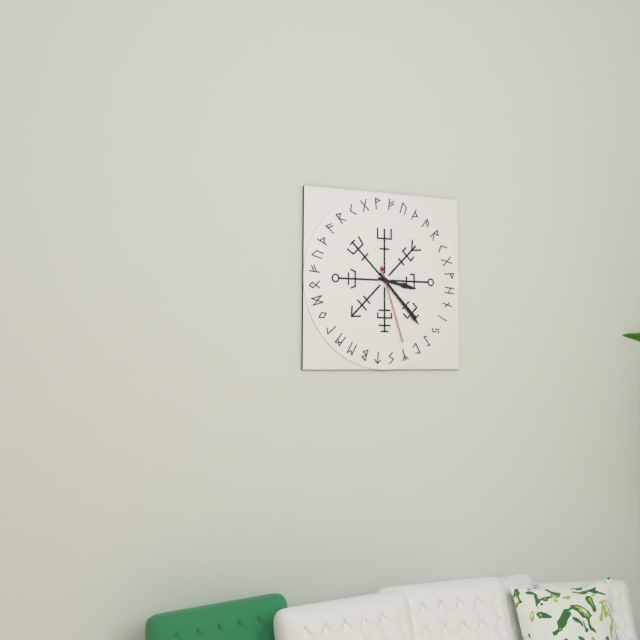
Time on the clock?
3:23:27
